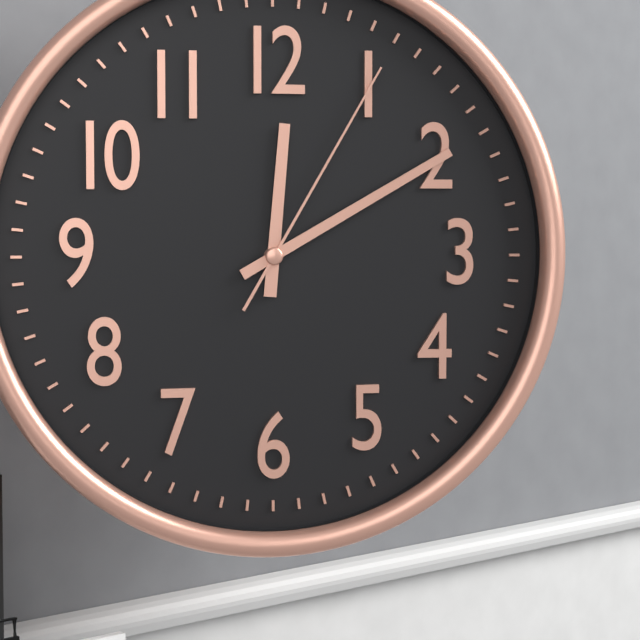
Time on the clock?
12:10:05
